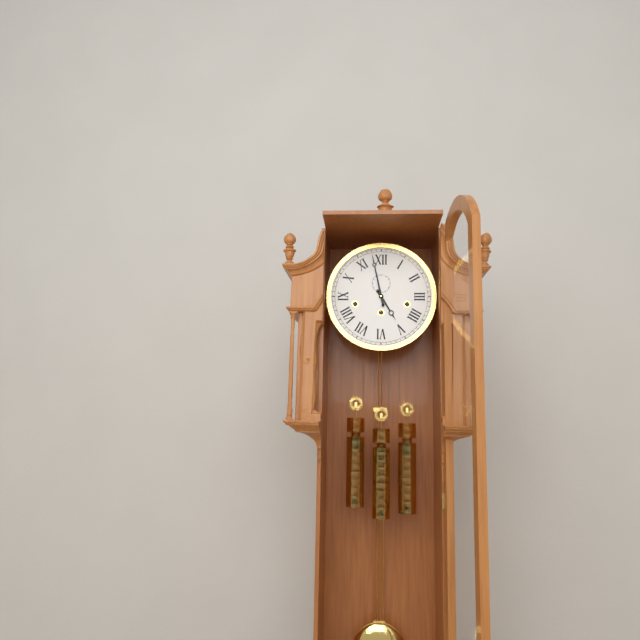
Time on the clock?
4:58
